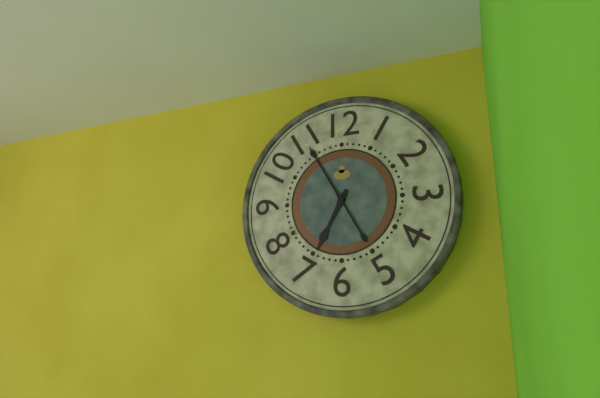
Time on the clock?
6:55
